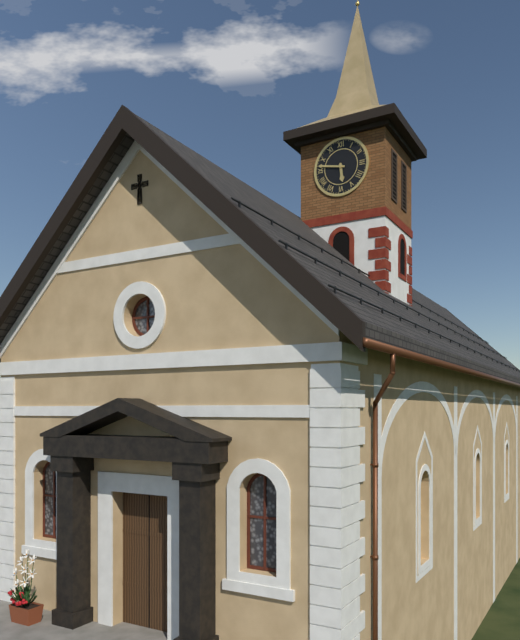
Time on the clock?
5:47
